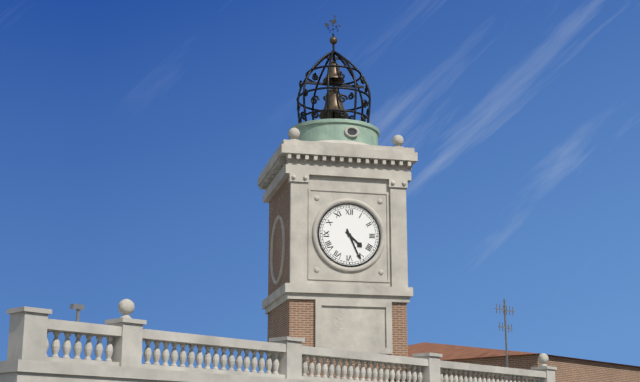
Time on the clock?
4:26
